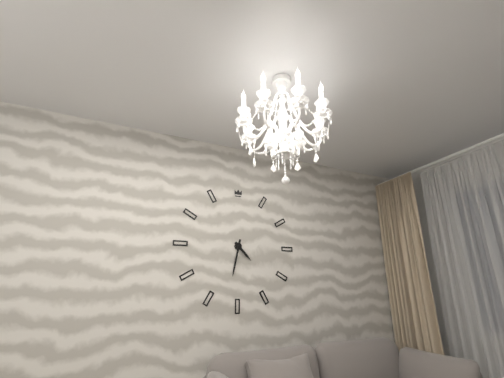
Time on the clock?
4:32
